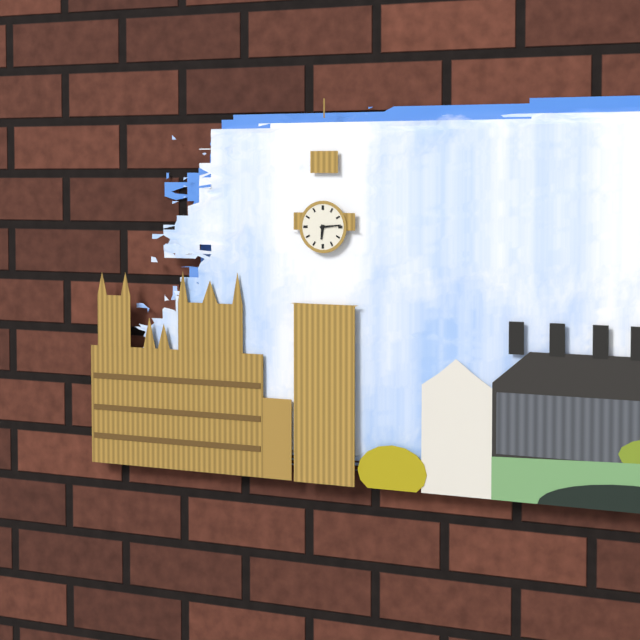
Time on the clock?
6:14
